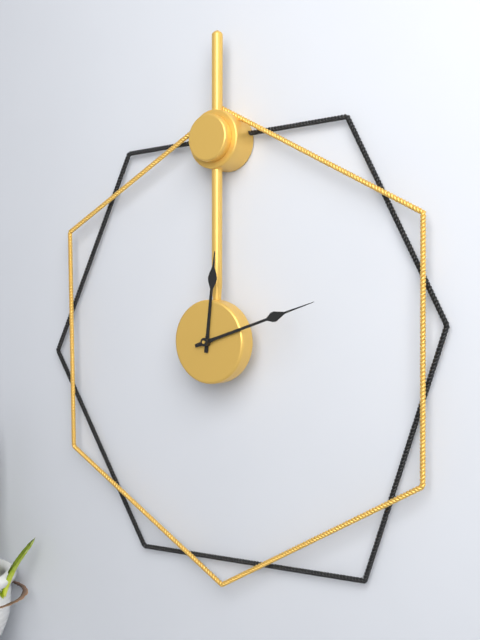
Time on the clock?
12:12
